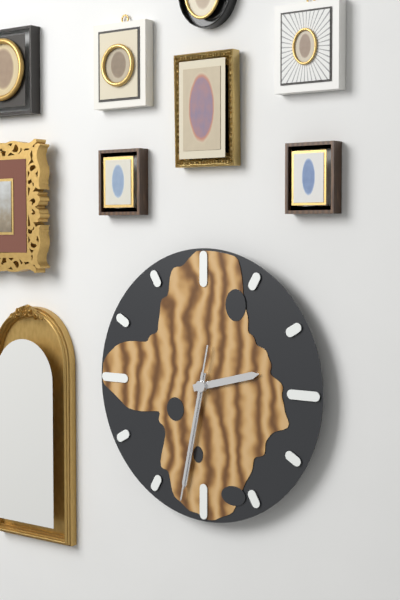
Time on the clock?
2:32:32
